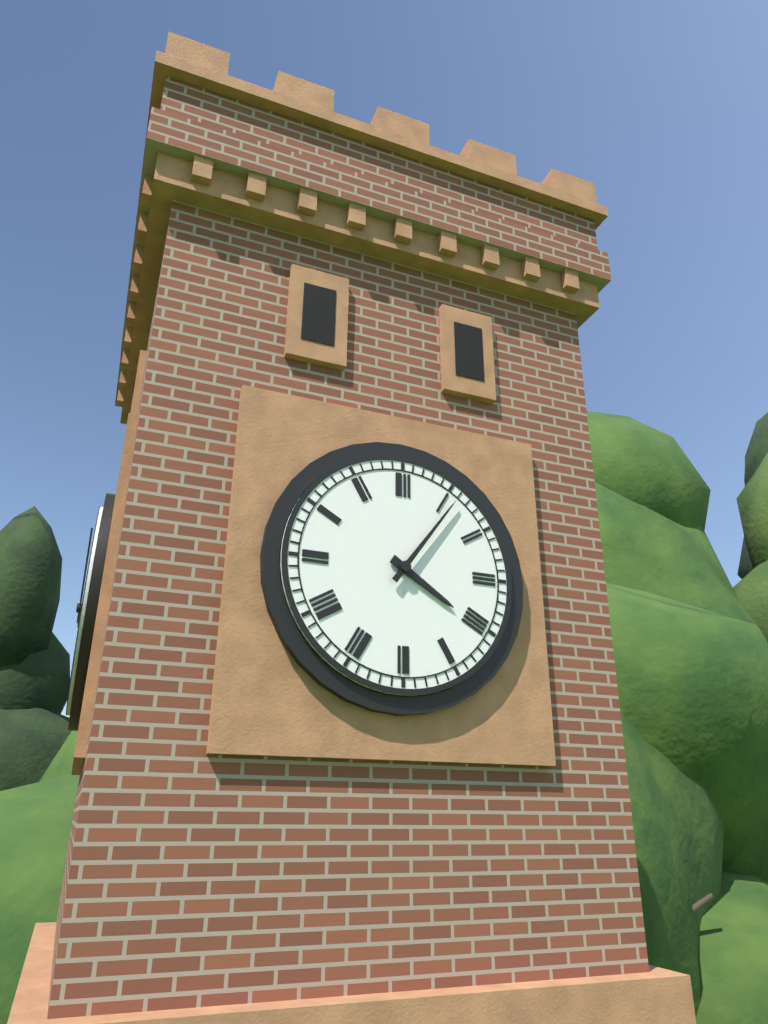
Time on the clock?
4:06
